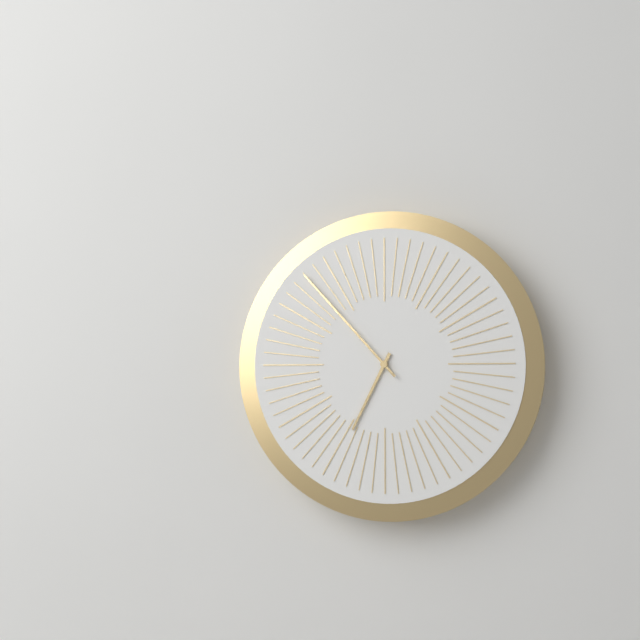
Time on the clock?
6:53
